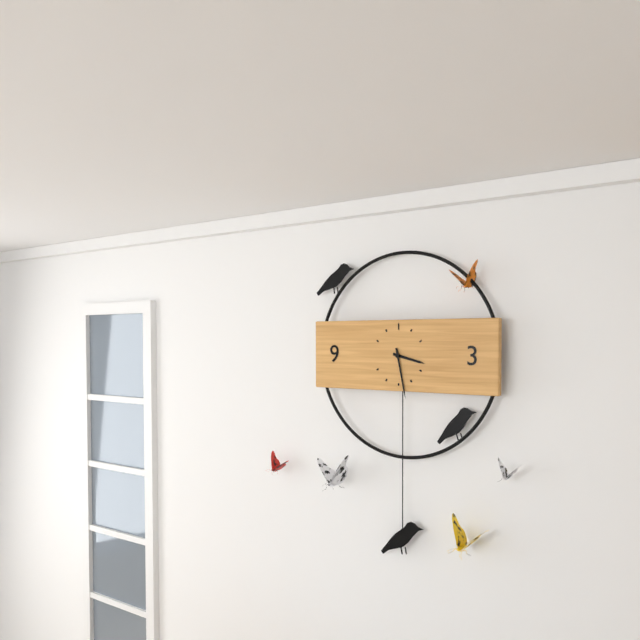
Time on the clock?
3:28
